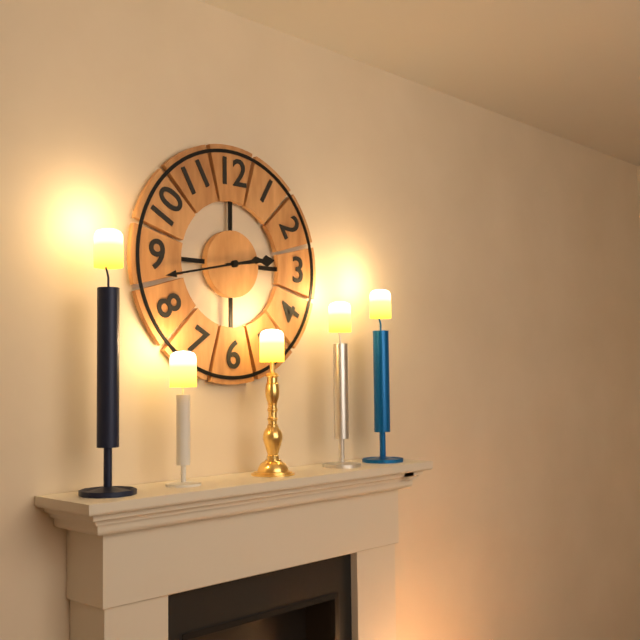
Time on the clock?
2:43
